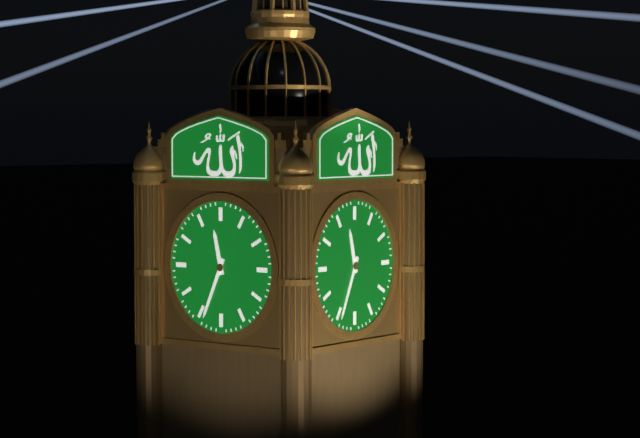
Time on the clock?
11:34
